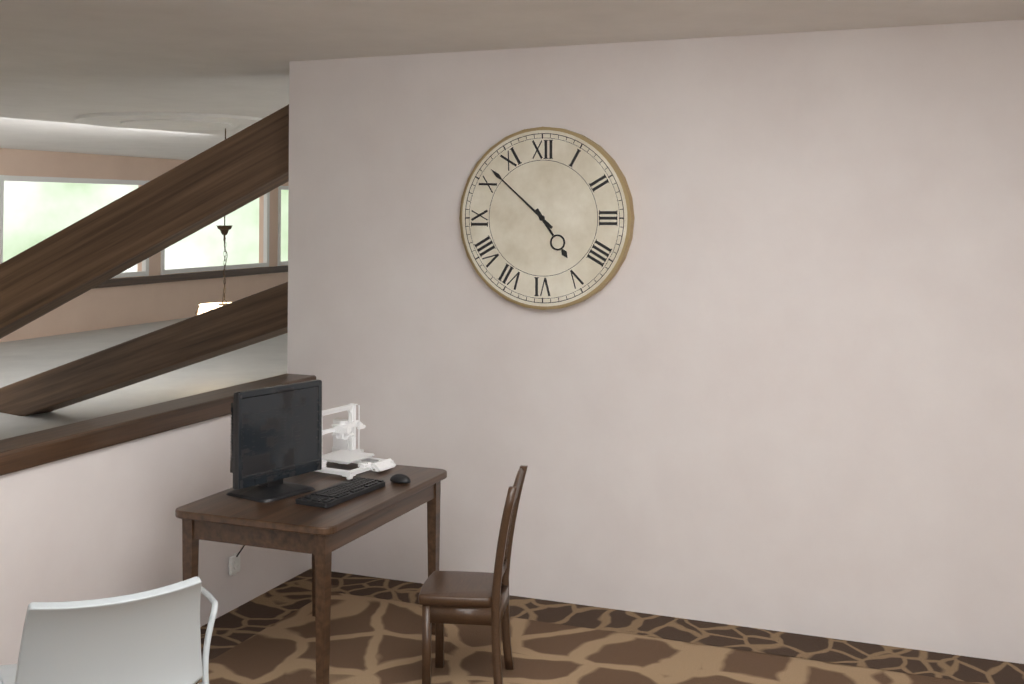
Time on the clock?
4:52
